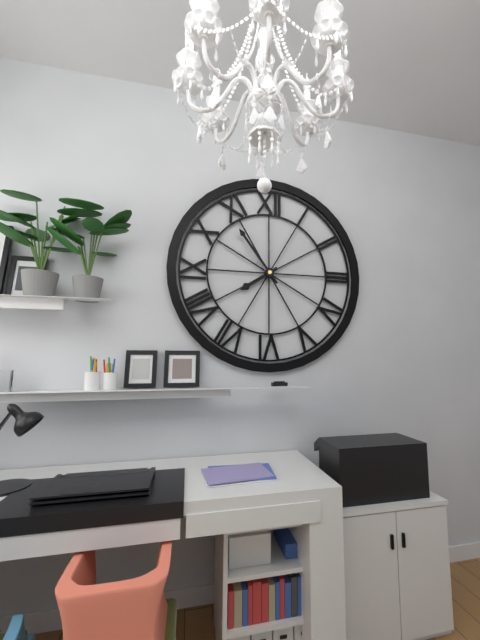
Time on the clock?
7:54
